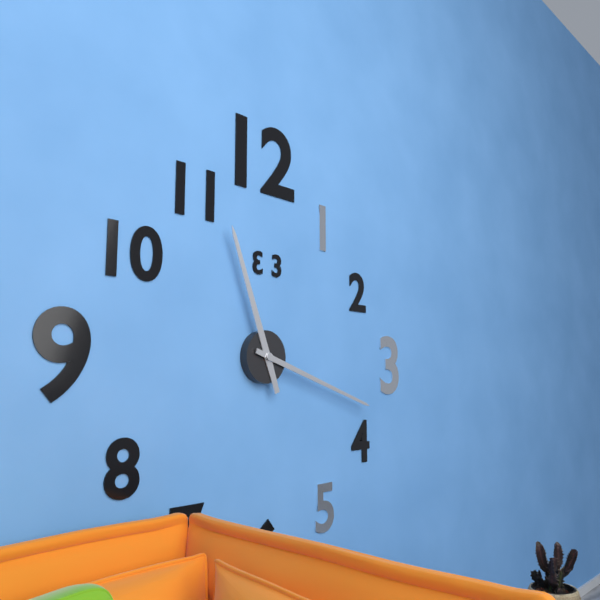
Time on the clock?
11:18
